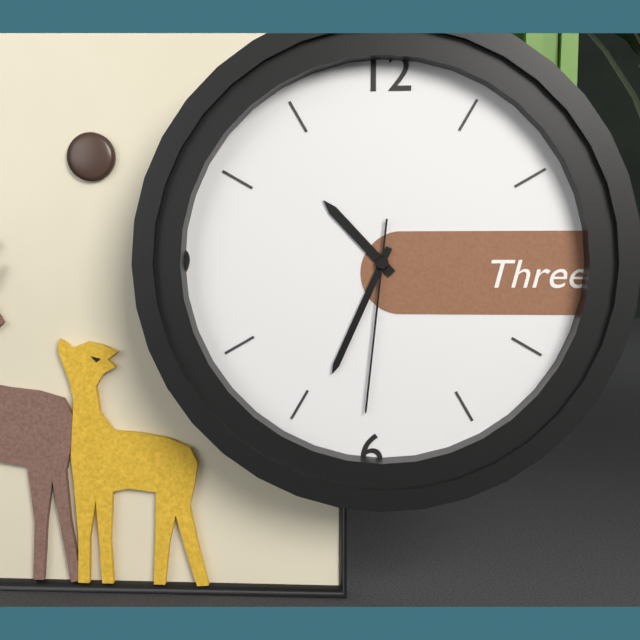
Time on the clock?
10:34:31
